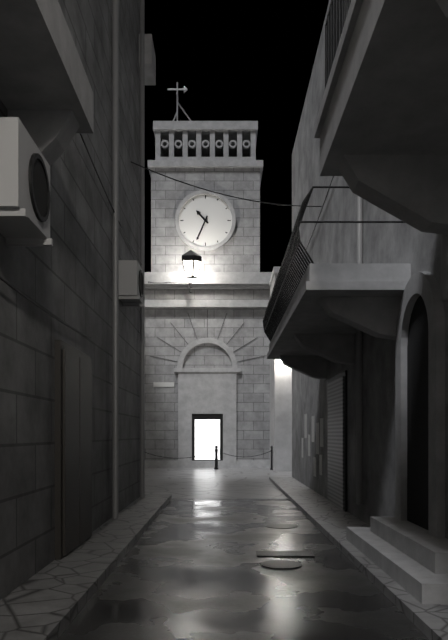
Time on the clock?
10:34
